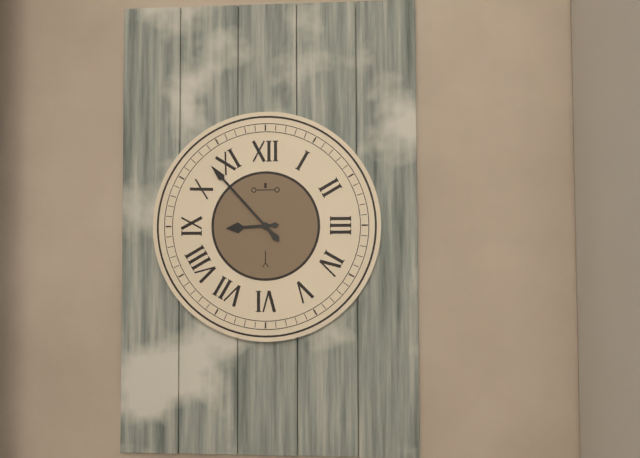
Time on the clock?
8:53
